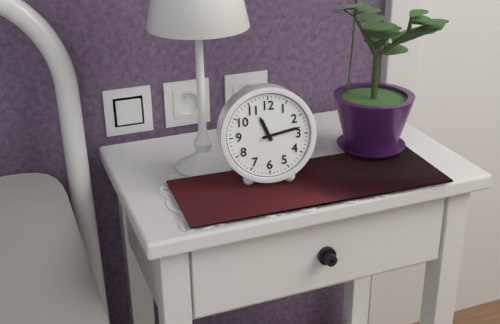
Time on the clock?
11:13
